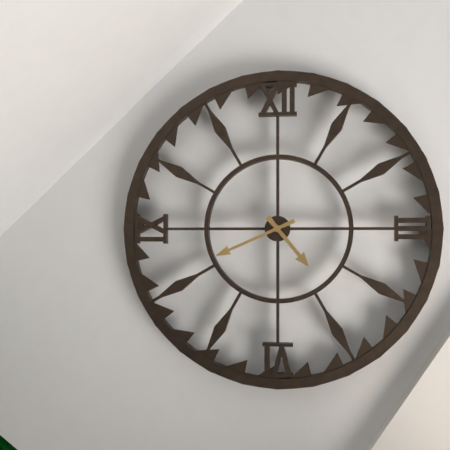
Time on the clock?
4:41
